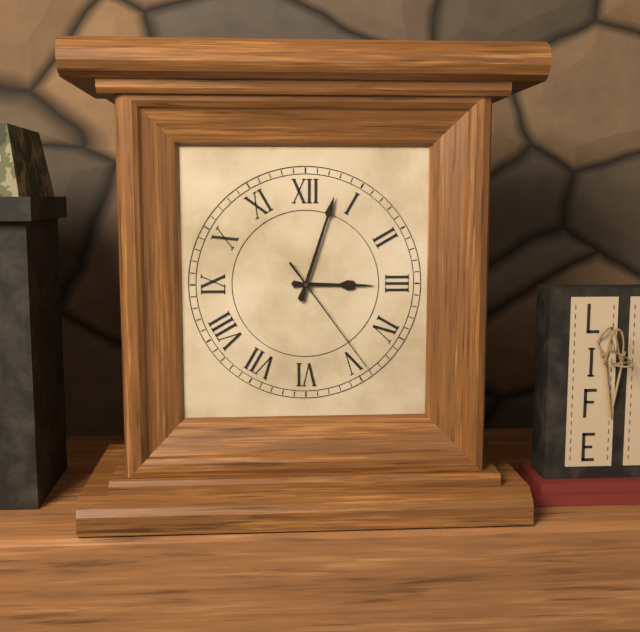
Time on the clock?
3:03:24
